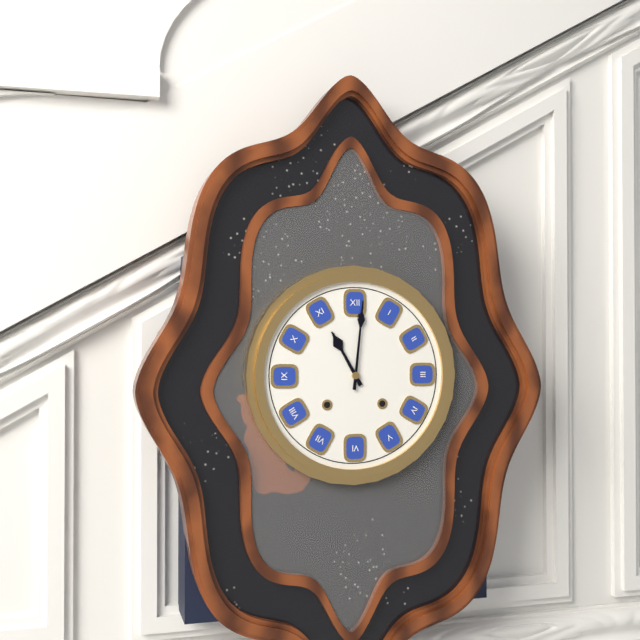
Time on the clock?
11:01
